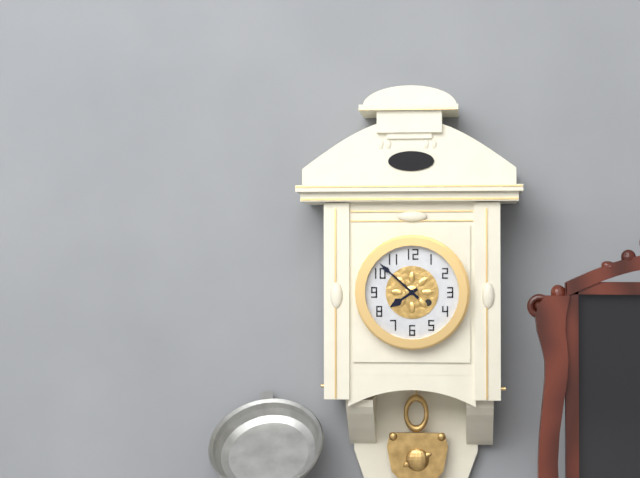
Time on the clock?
7:52
